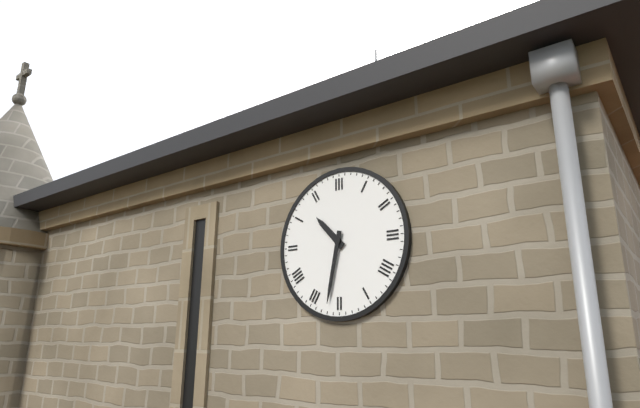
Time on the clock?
10:32
